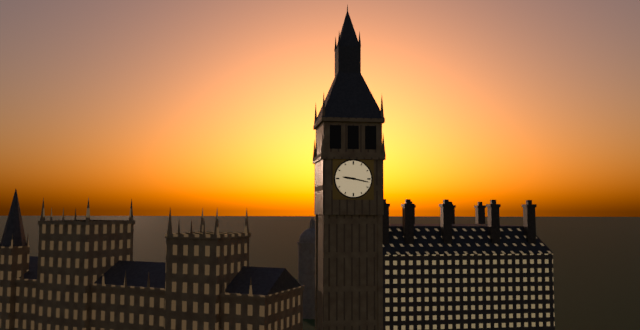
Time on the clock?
9:17
